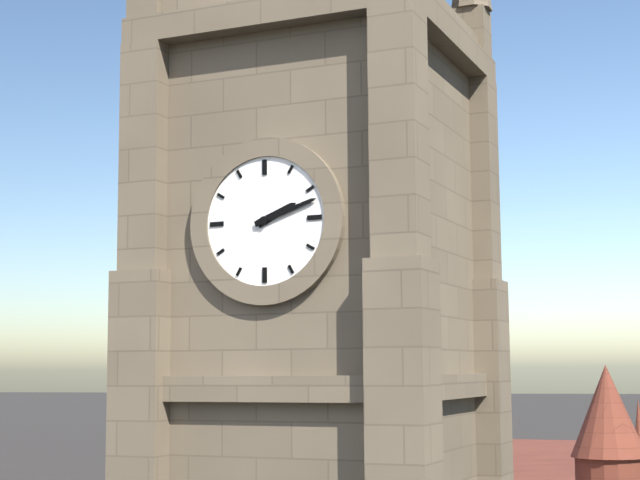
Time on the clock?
2:12
